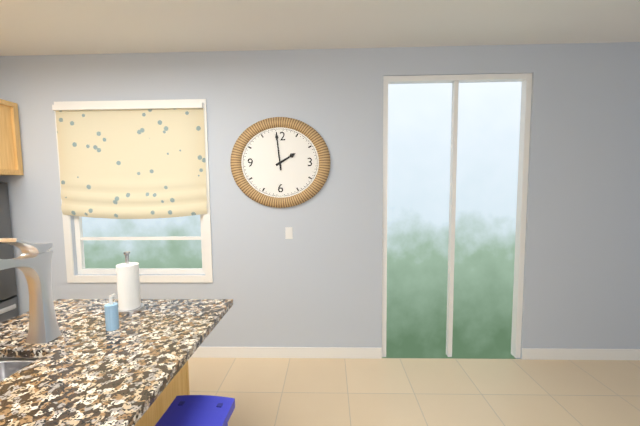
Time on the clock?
1:59
